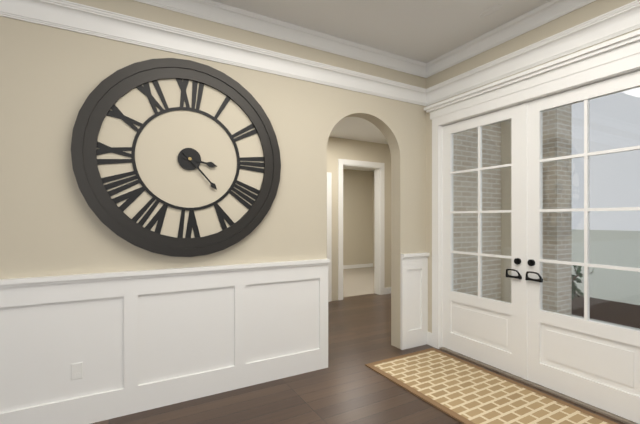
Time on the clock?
3:23
